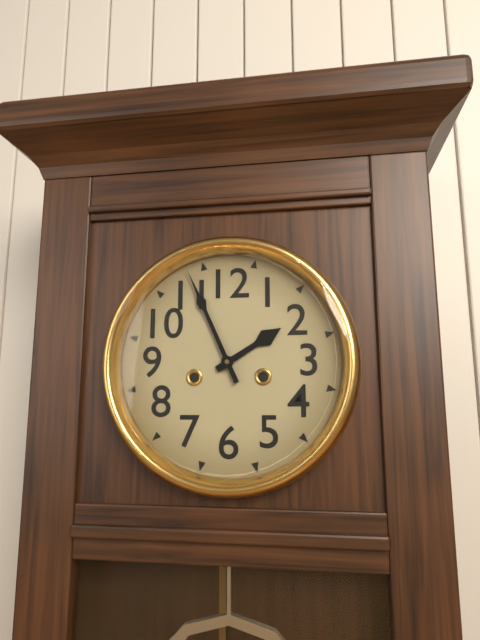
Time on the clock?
1:56
